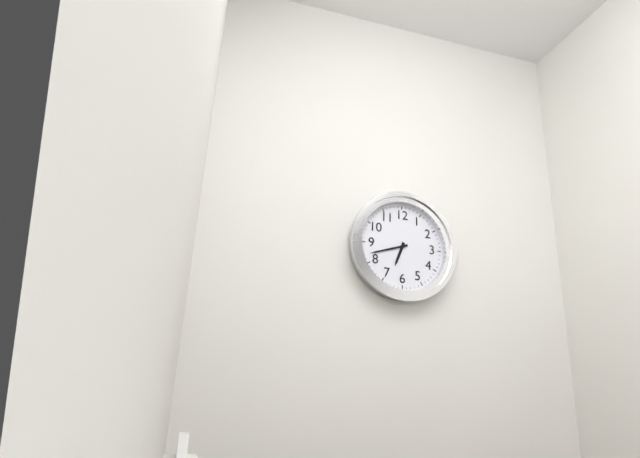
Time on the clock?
6:42
